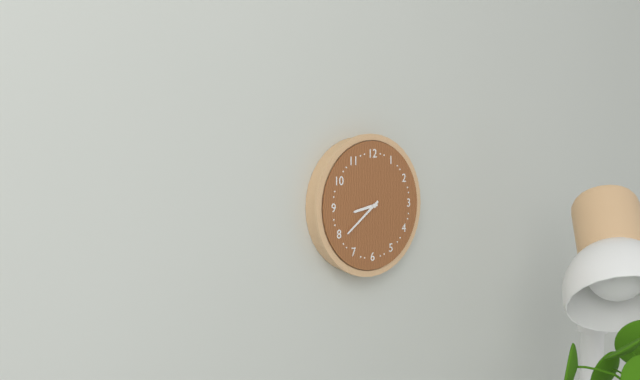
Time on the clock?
8:39
